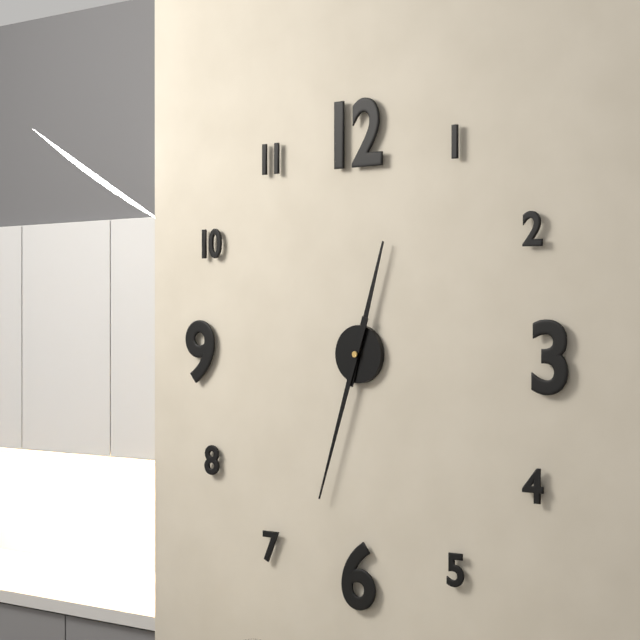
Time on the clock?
12:33
